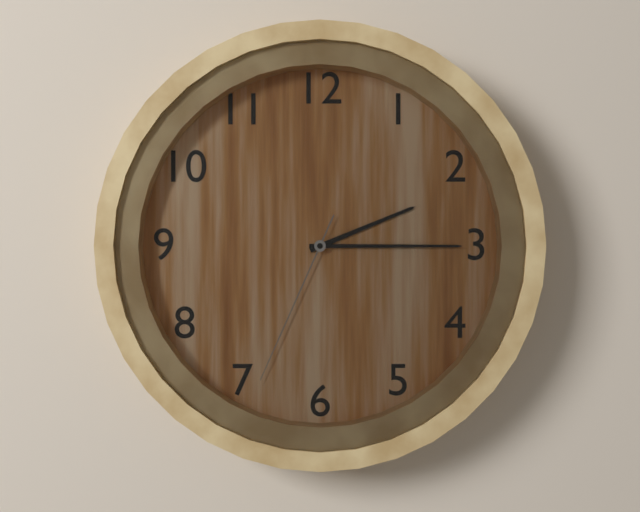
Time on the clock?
2:15:34
